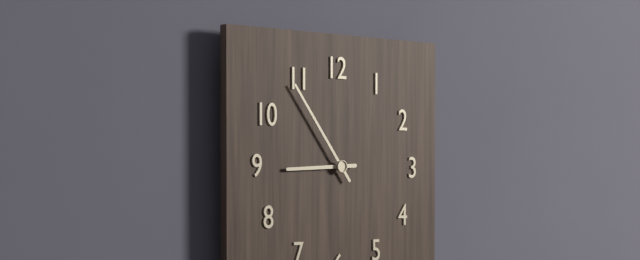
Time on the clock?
8:54
